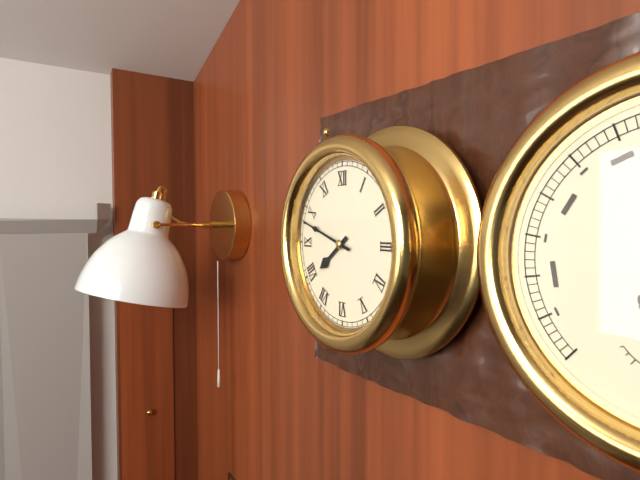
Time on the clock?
7:48
